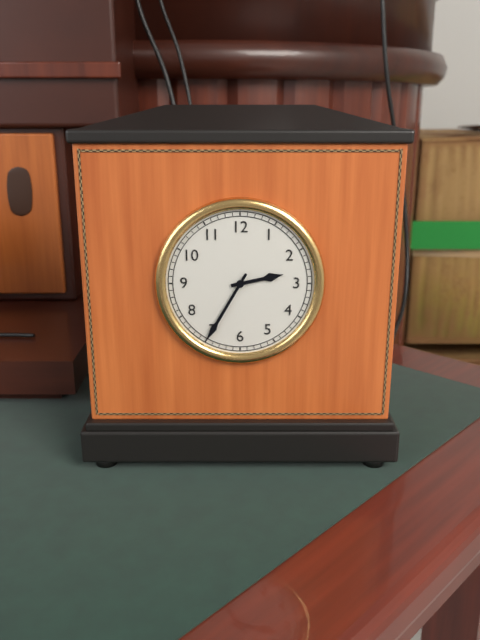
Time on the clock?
2:35
